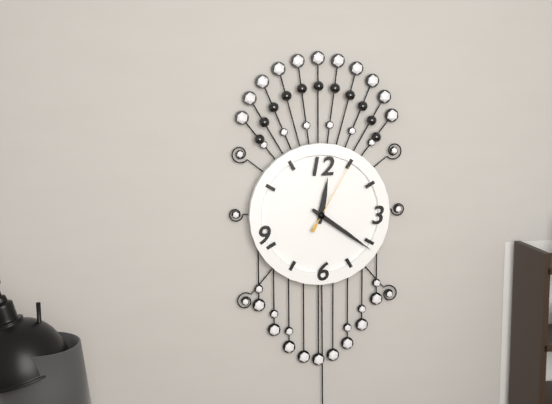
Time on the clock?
12:21:05
